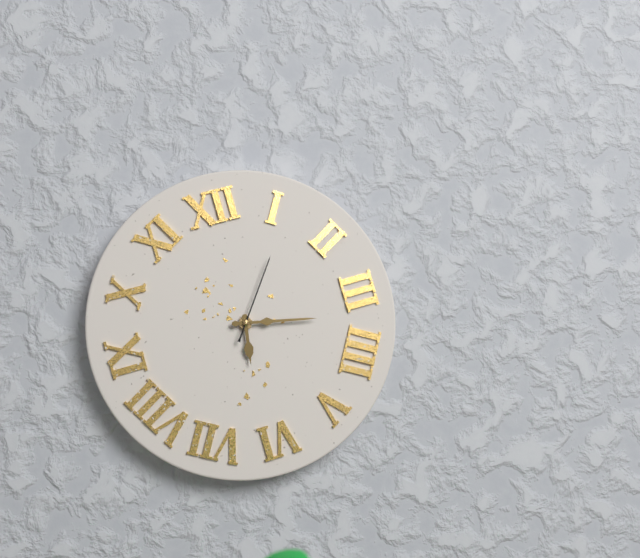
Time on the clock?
6:17:06
